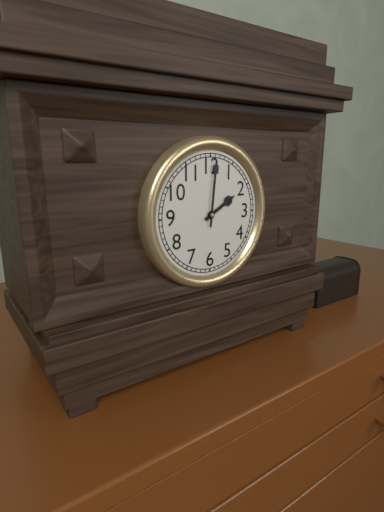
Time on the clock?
2:01
